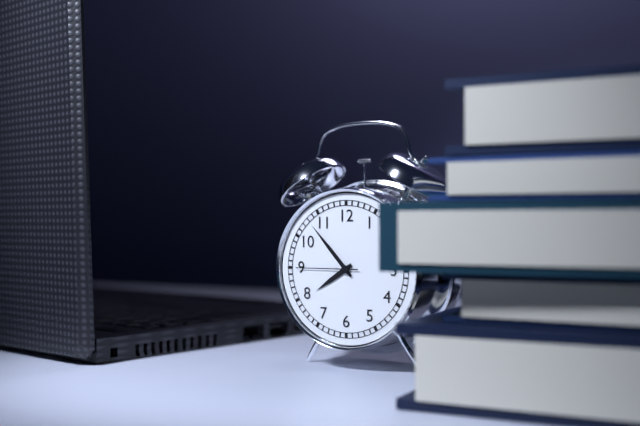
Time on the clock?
7:53:45
